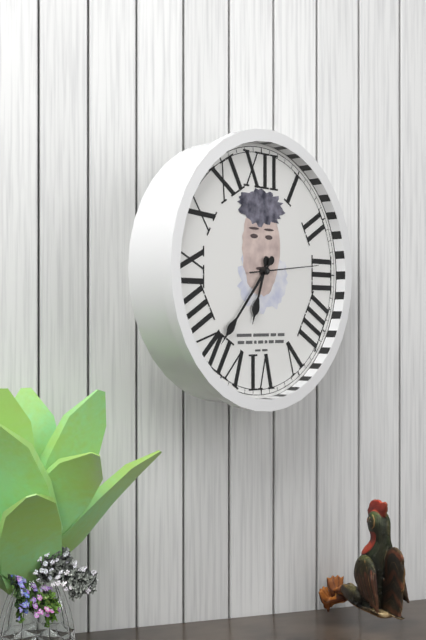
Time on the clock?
6:37:14
